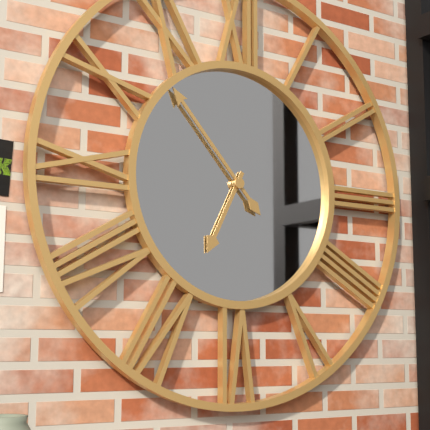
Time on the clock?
6:53
